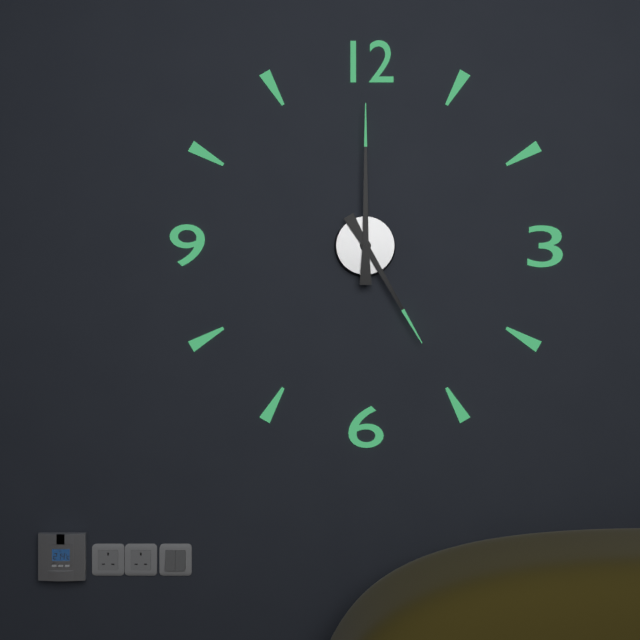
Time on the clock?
5:00
